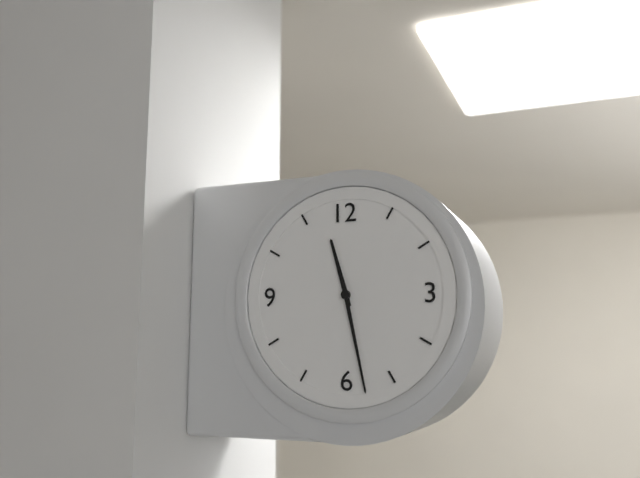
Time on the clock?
11:28
